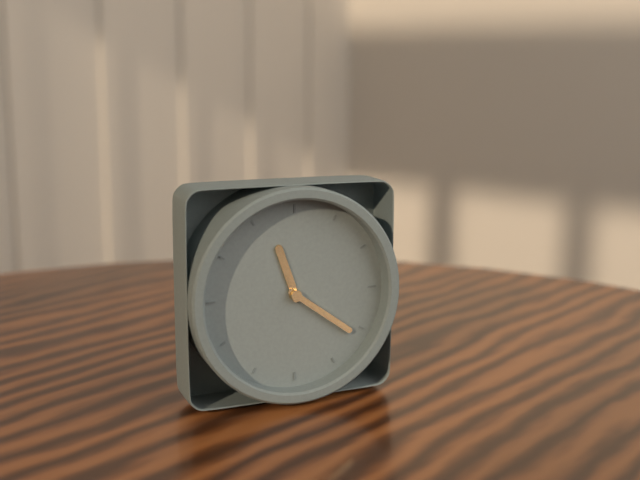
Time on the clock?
11:21
